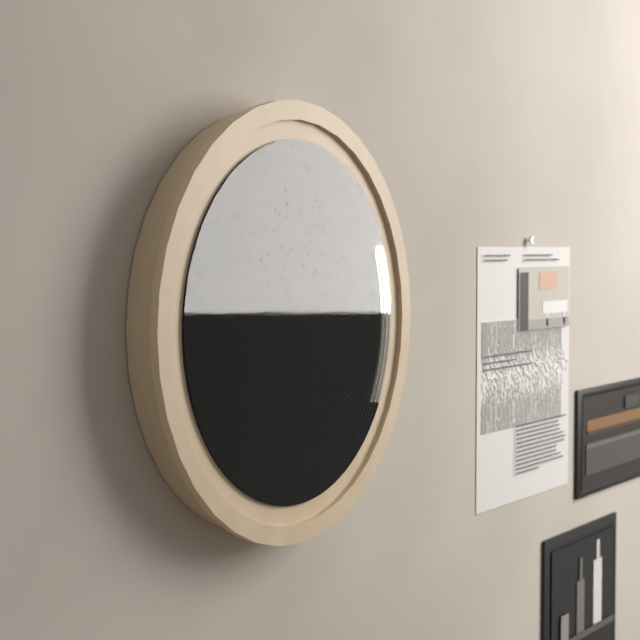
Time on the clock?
4:16
